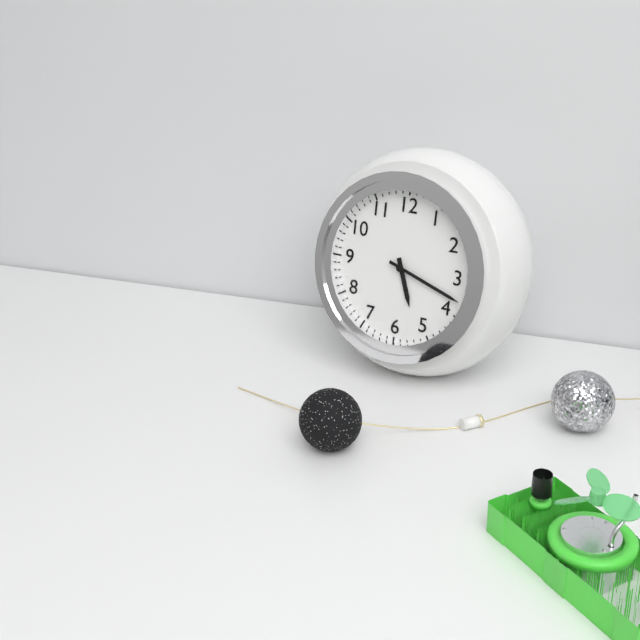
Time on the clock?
5:18
